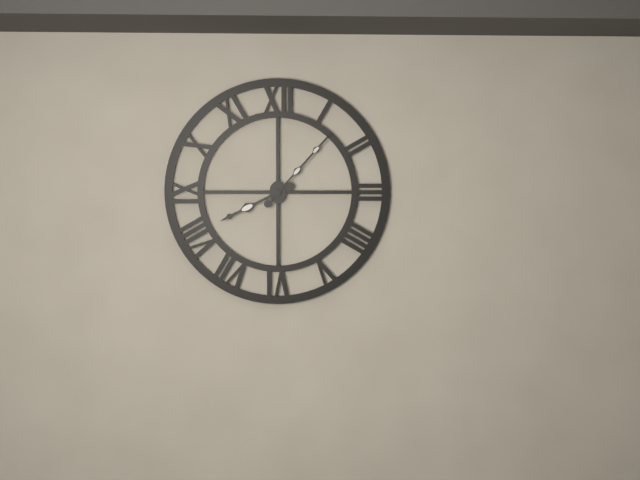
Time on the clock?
8:07
